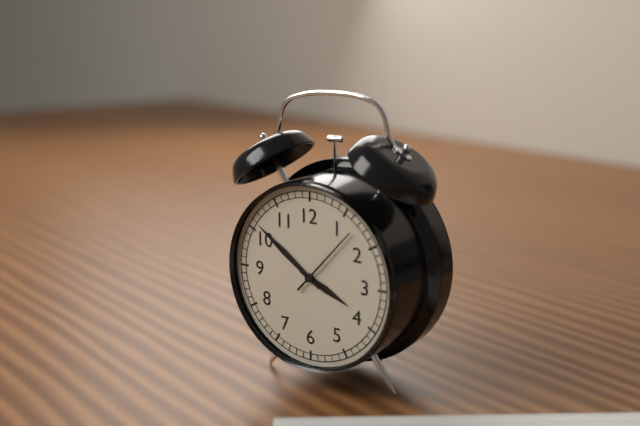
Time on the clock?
3:51:07
